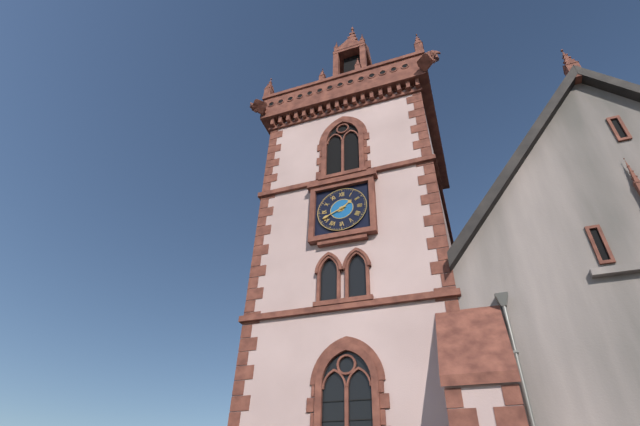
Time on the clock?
1:41
